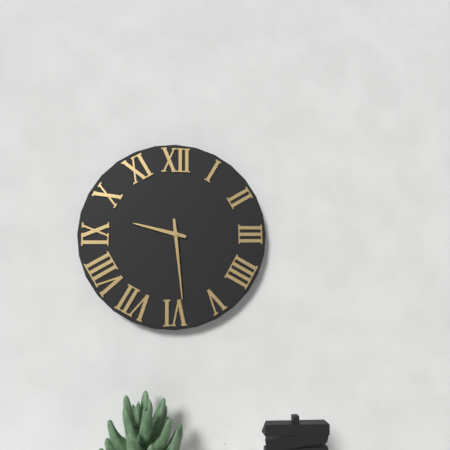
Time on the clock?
9:29
